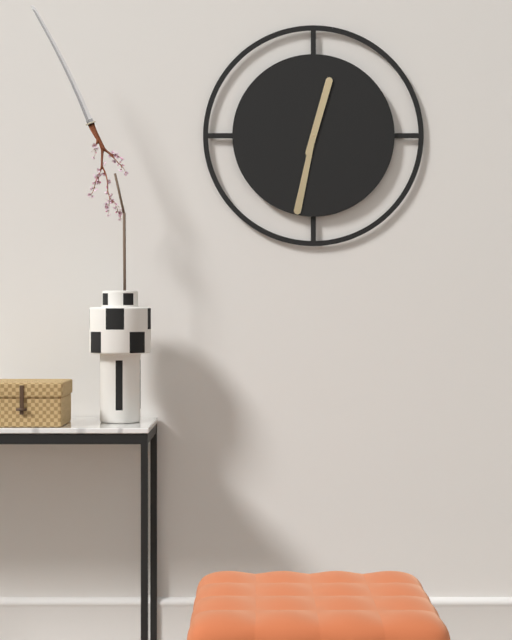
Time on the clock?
12:32
